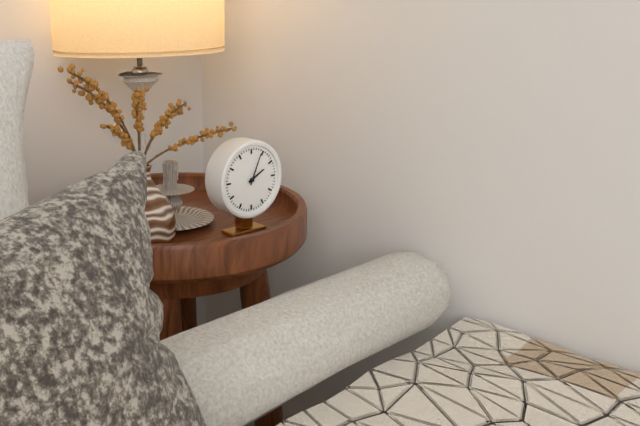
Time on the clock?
2:04
